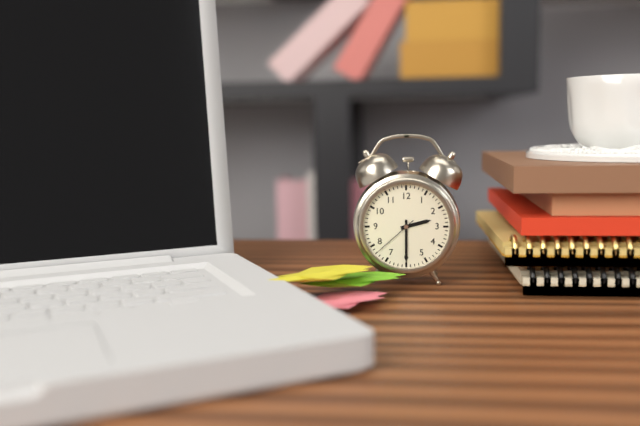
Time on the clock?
2:30:38
